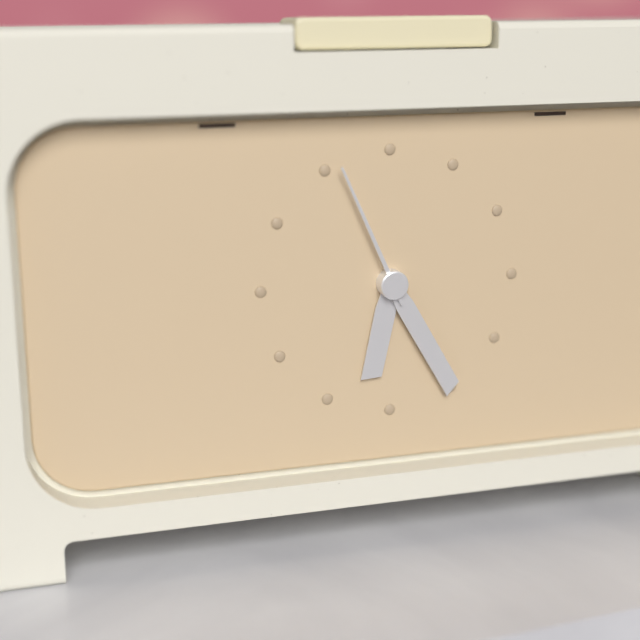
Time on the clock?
6:25:56
